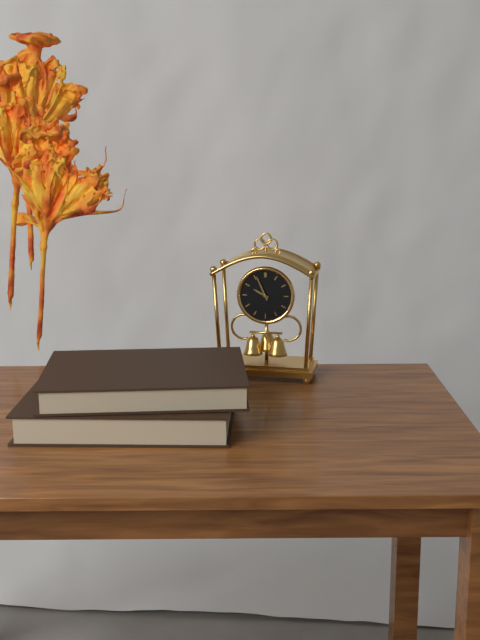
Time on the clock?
9:56
